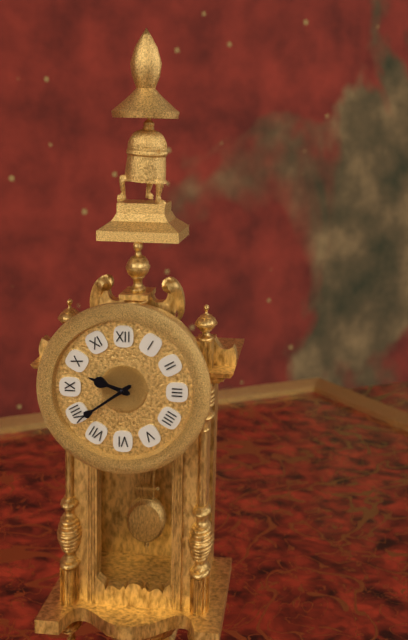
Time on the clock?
9:39
